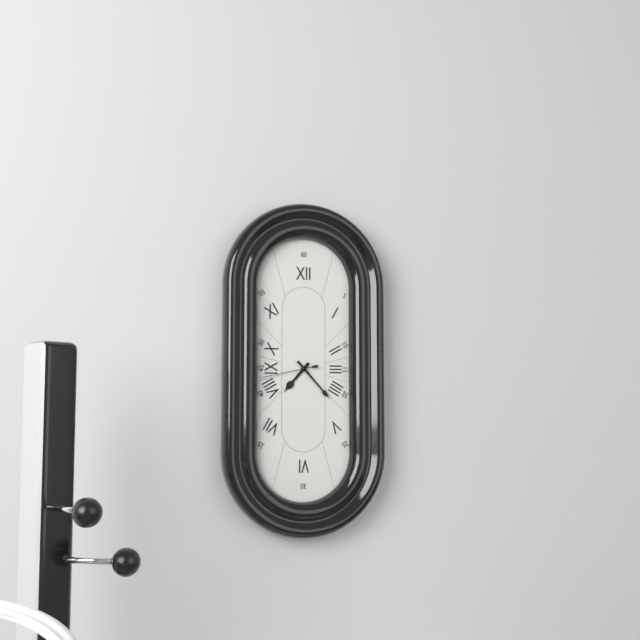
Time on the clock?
7:23:43
